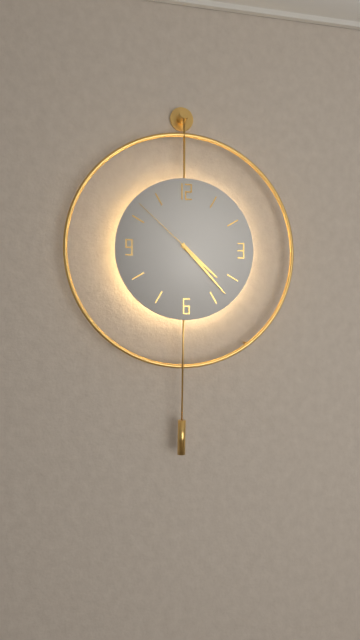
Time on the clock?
4:23:52
